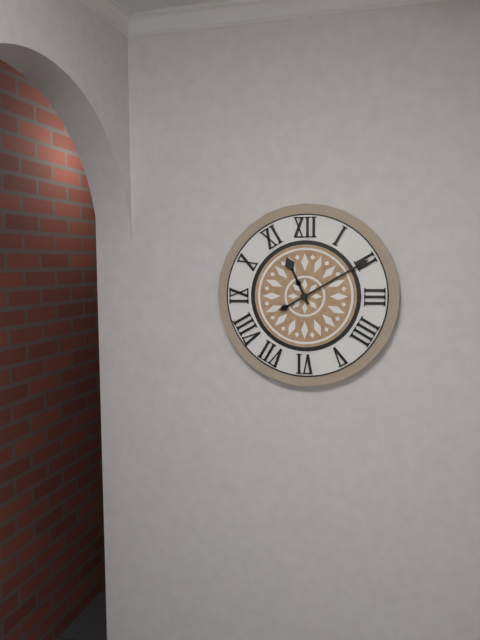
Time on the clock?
11:10
